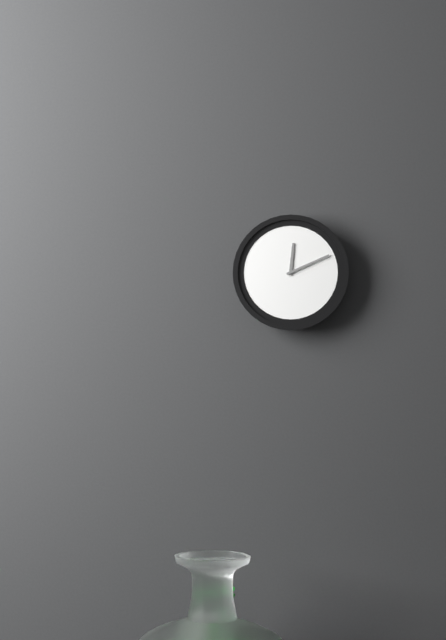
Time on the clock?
12:11
